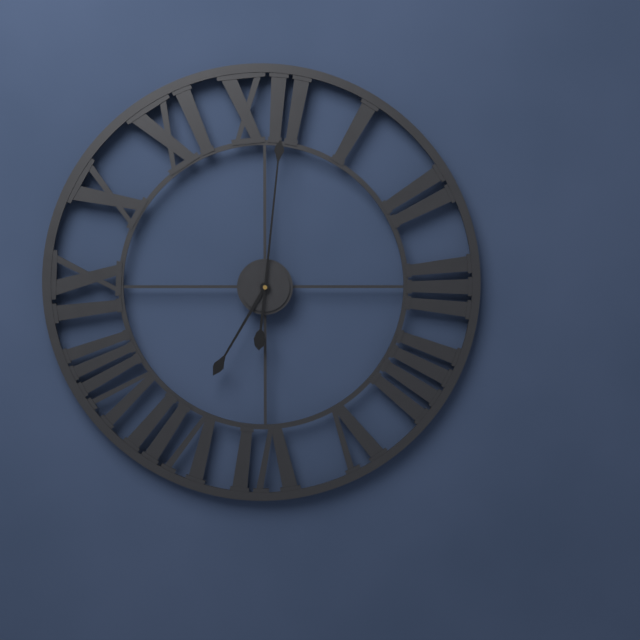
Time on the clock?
7:01
